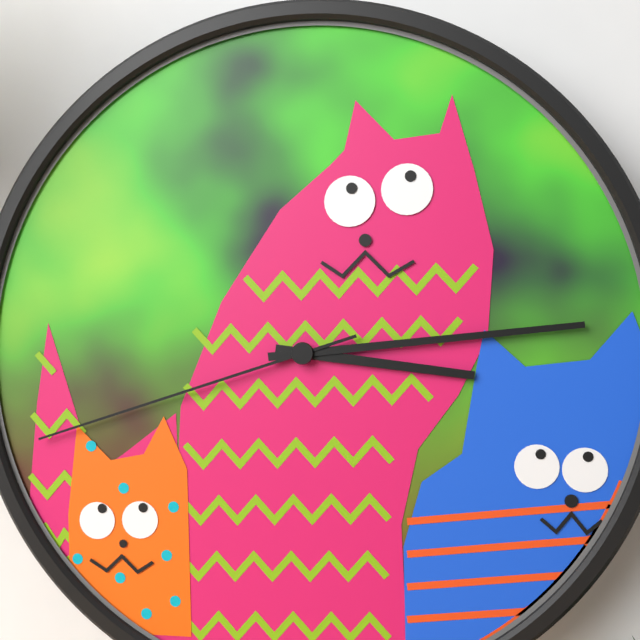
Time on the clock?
3:14:42
